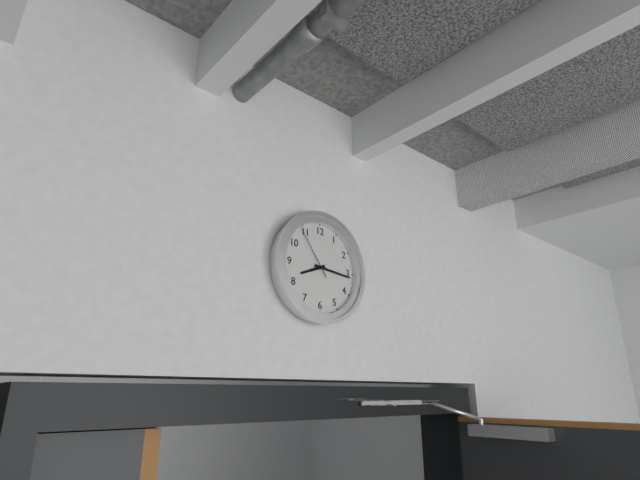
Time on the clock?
8:16:54
